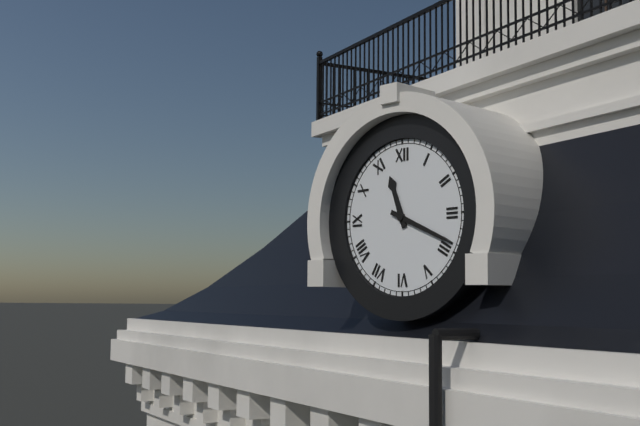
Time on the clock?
11:19
